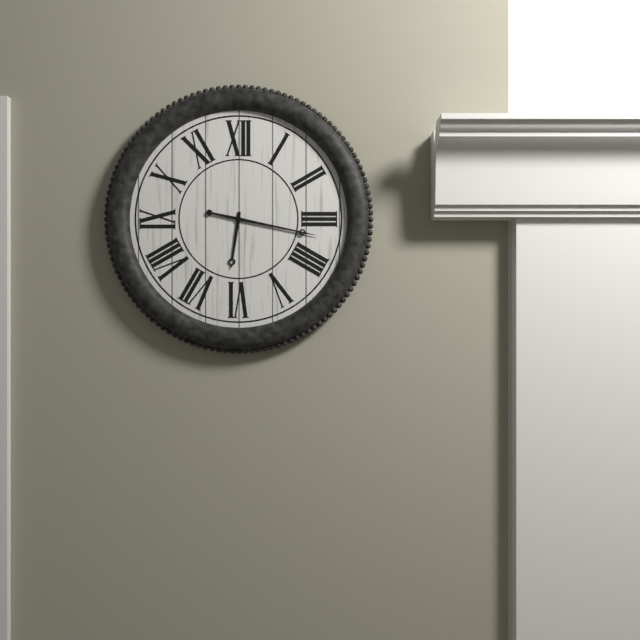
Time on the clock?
6:17
